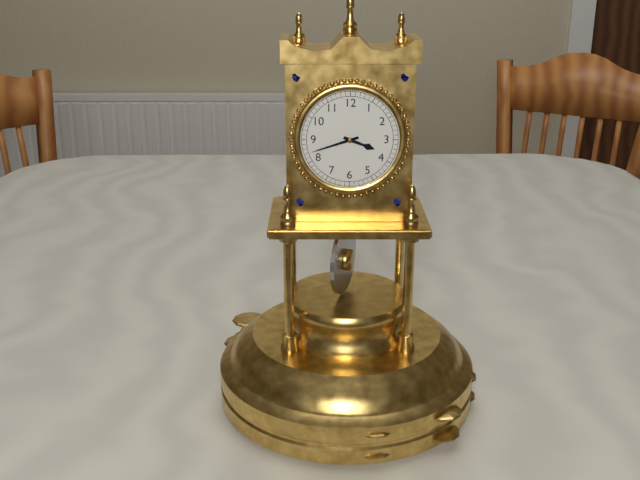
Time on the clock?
3:42
